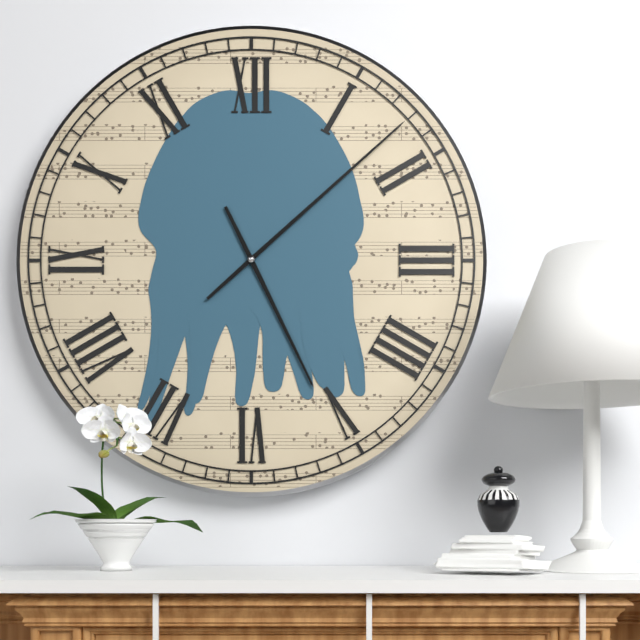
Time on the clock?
5:08
